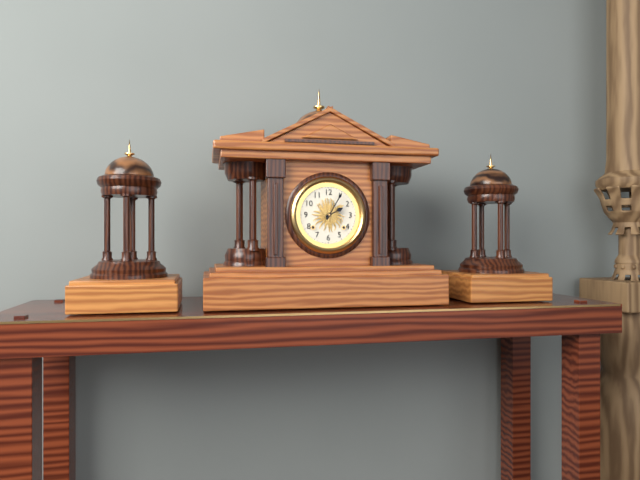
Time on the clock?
2:05
